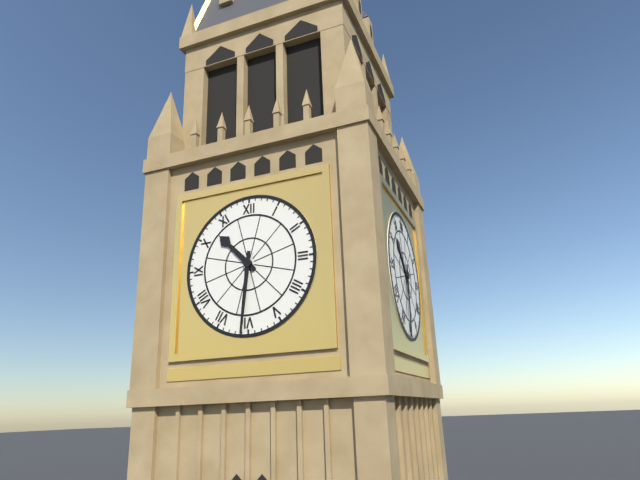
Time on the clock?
10:31
